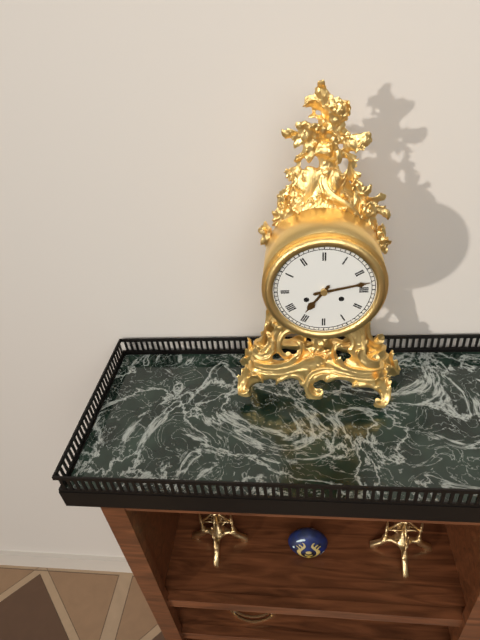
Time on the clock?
7:13
